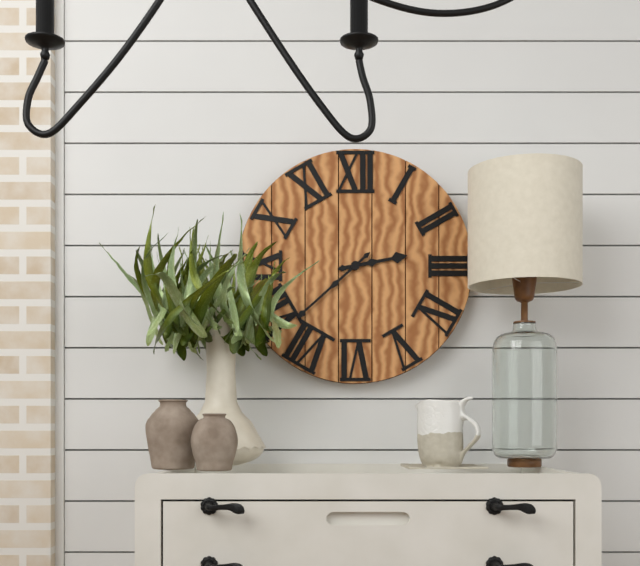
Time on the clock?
2:38
